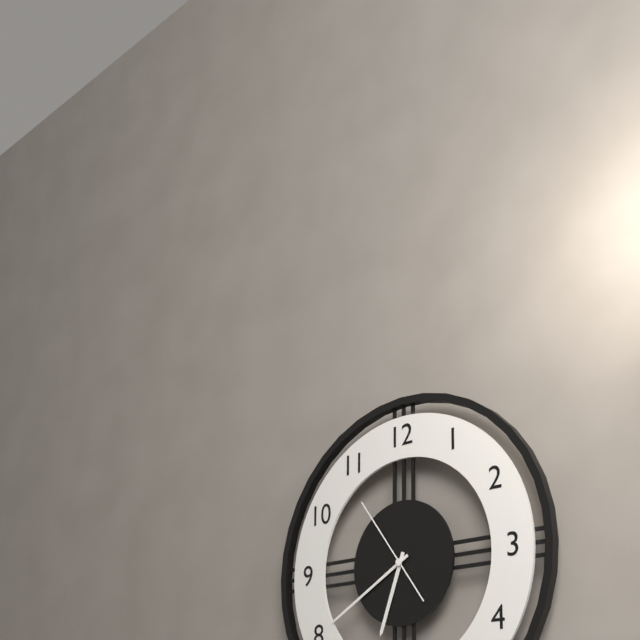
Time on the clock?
6:40:54
